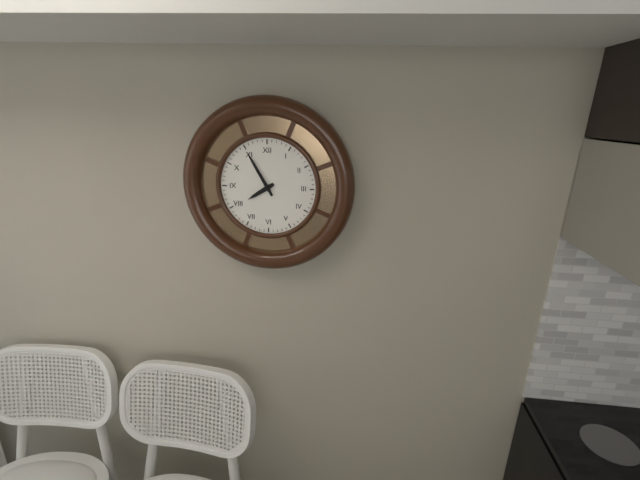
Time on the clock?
7:55
